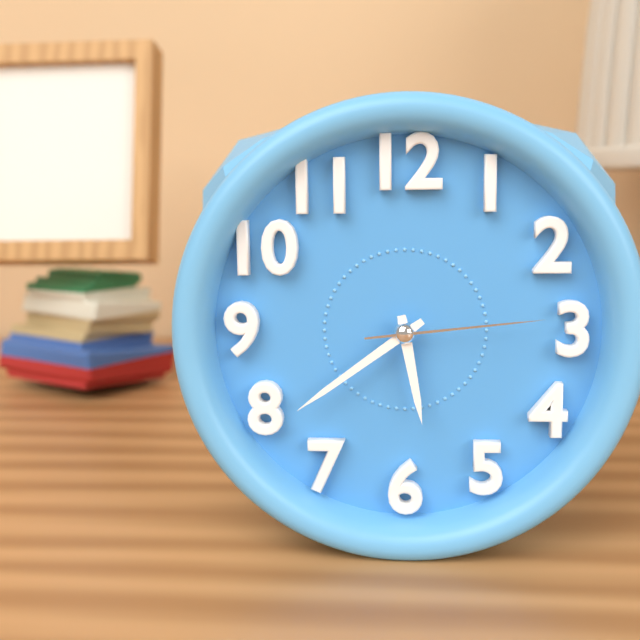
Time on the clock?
5:39:14
